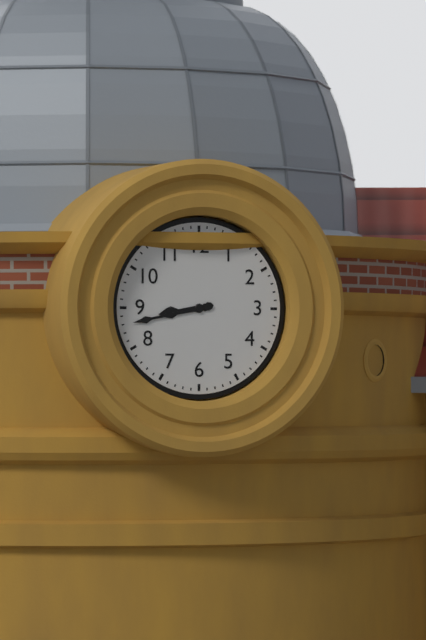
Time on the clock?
8:43
